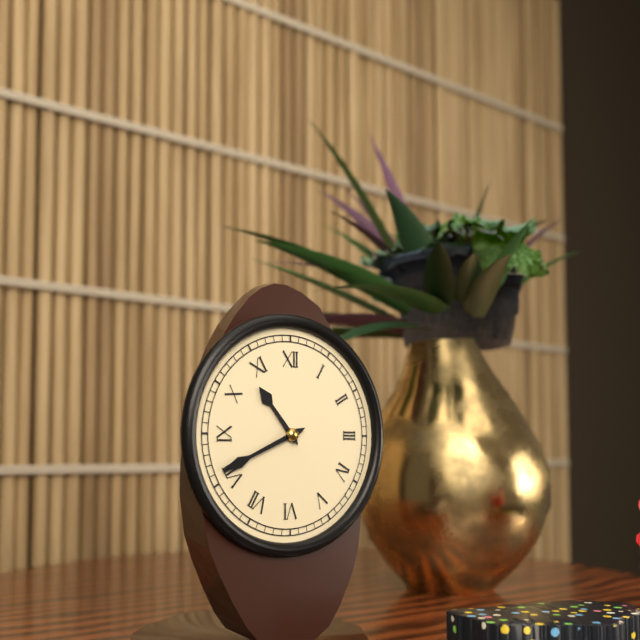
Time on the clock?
10:41
